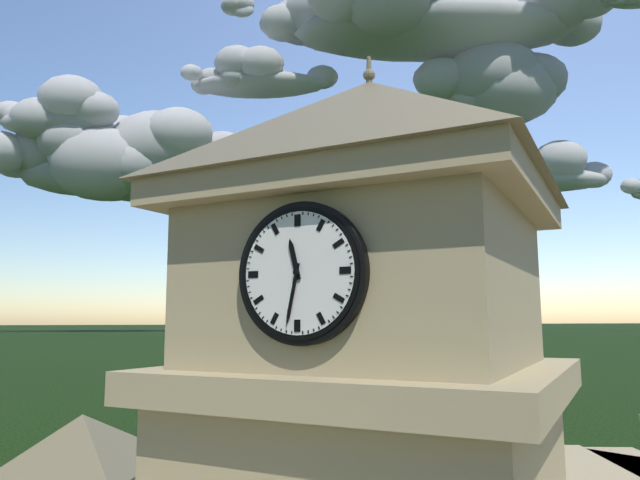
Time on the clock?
11:32
